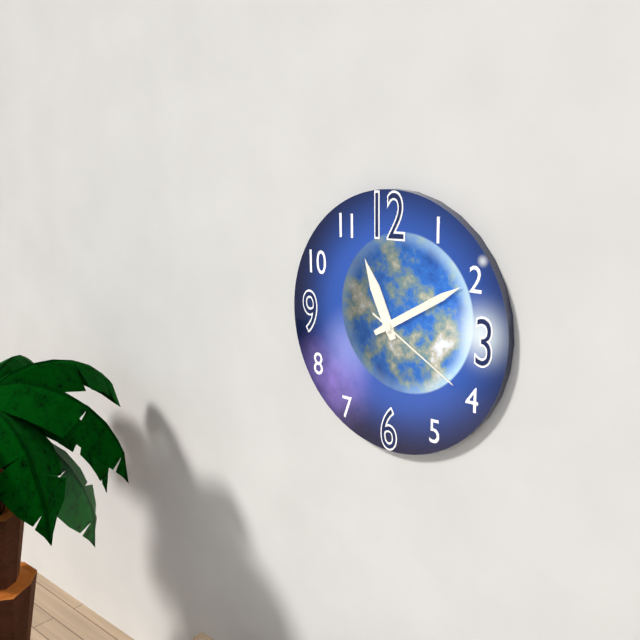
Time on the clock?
11:10:20
